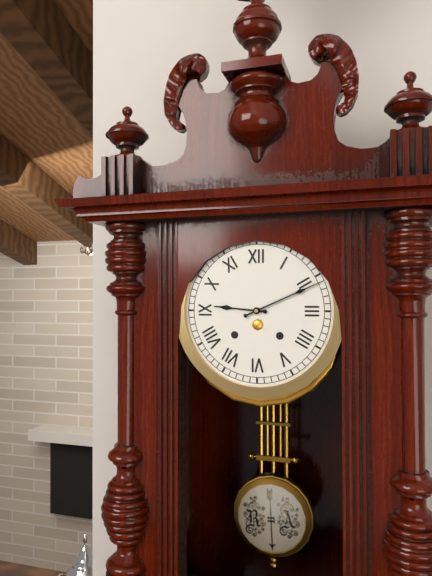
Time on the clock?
9:11
